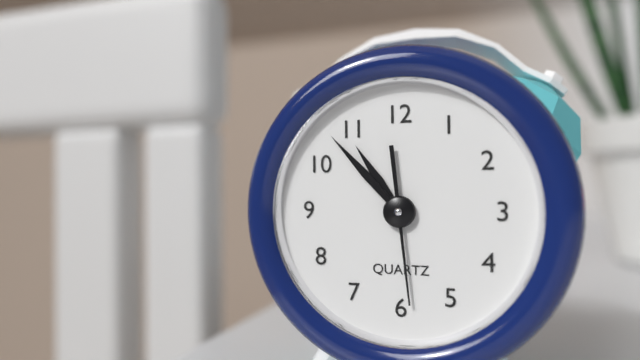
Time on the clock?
10:53:29
